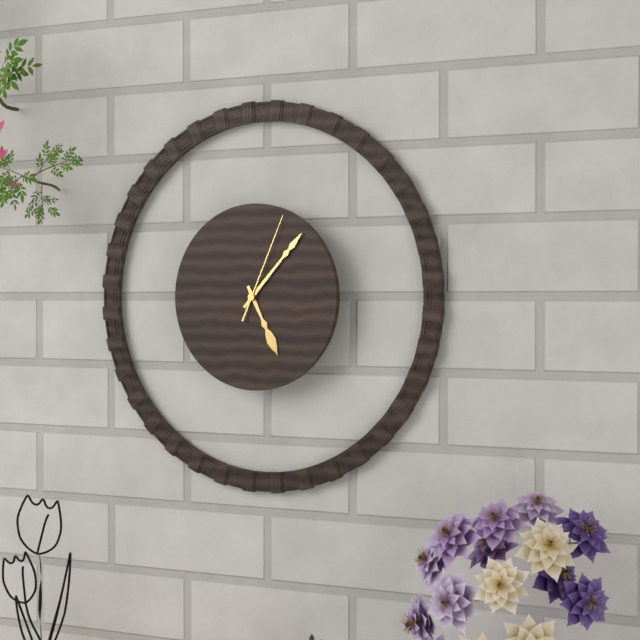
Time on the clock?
5:07:04
